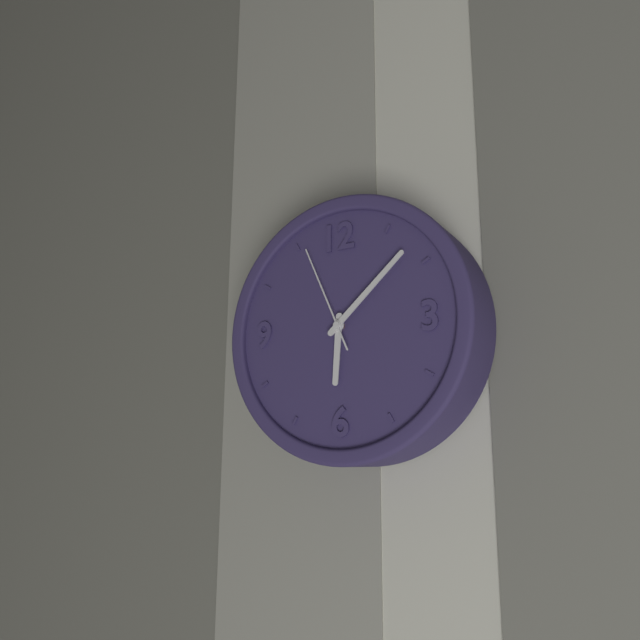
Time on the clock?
6:08:56
